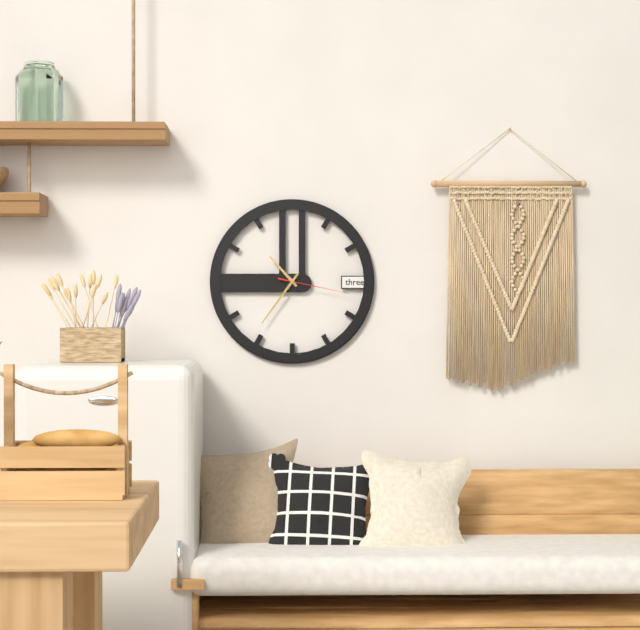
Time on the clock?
10:36:17
